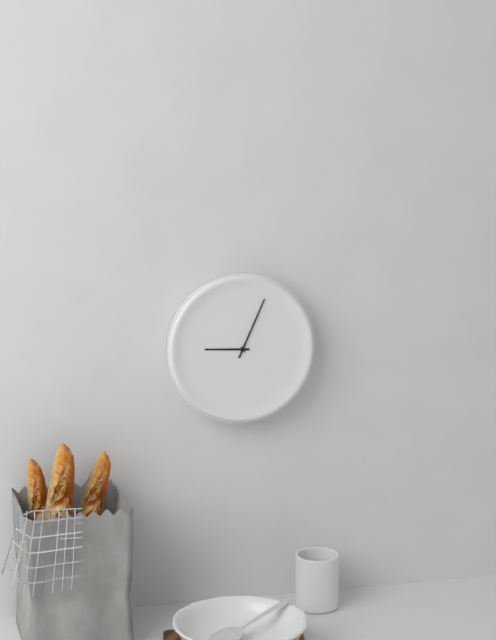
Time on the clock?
9:04
